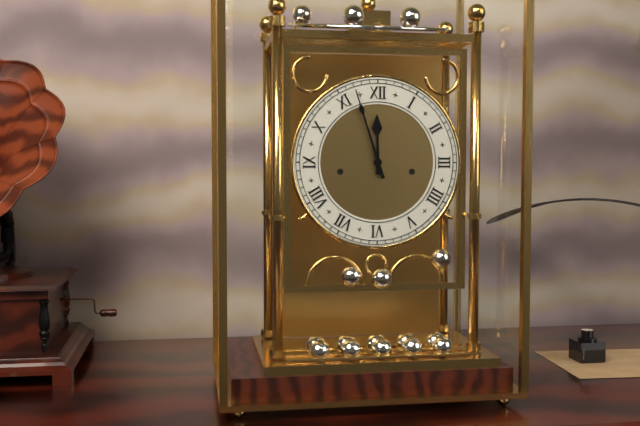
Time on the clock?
11:57
